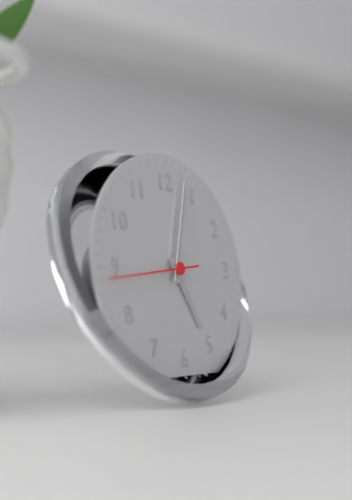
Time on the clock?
5:03:44
